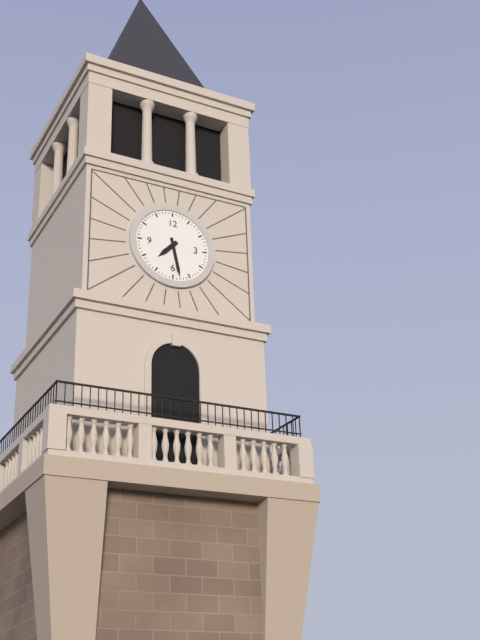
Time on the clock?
7:28
